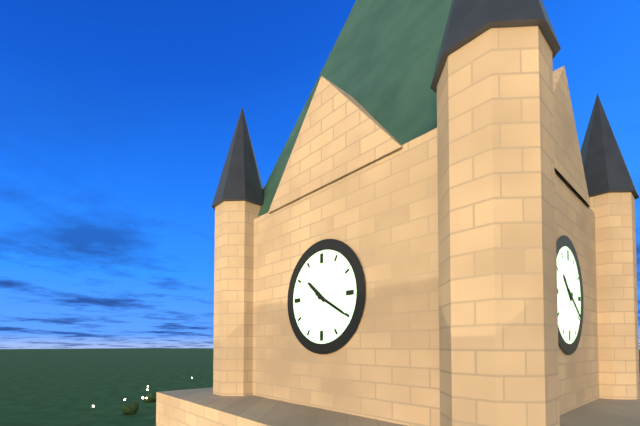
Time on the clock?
10:20
